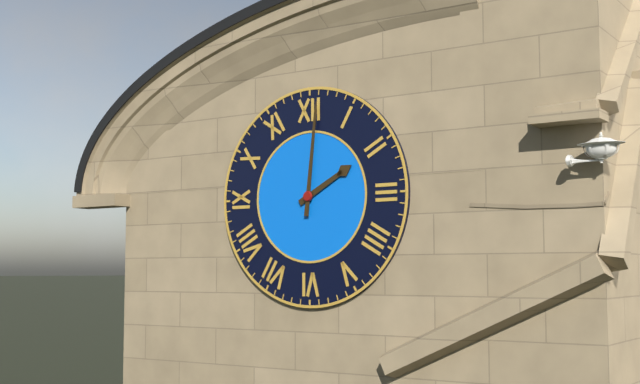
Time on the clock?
2:01
